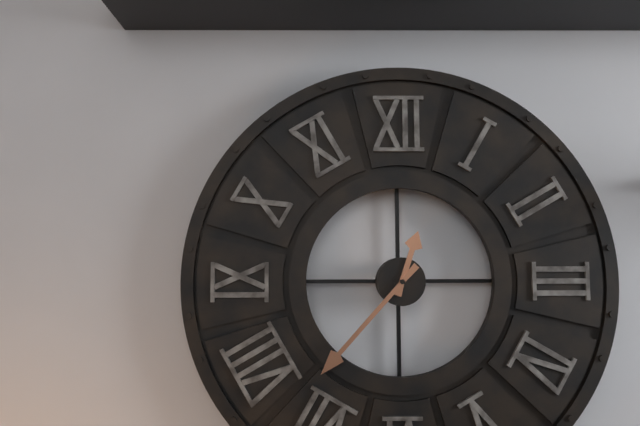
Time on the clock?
12:37
